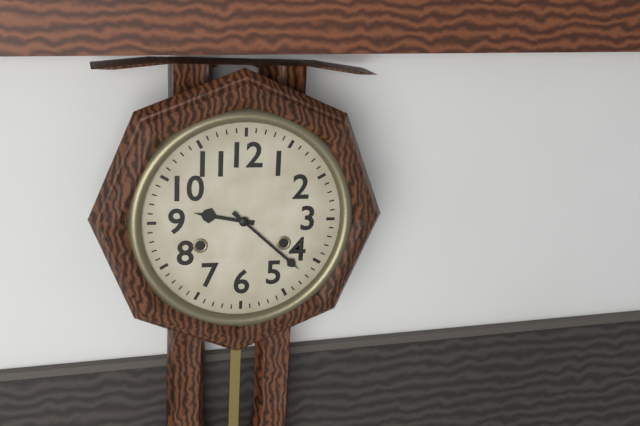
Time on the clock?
9:22
